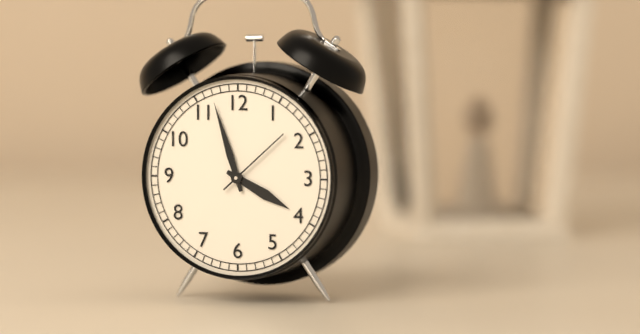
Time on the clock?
3:57:08
